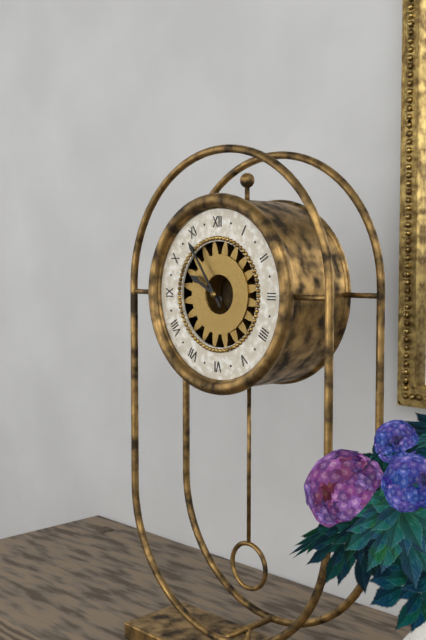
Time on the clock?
9:54
